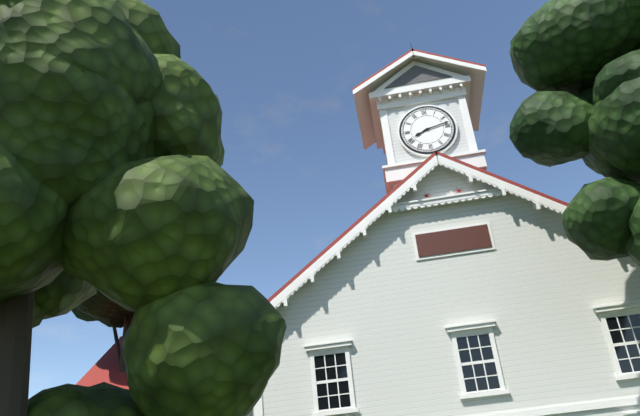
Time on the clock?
8:13
